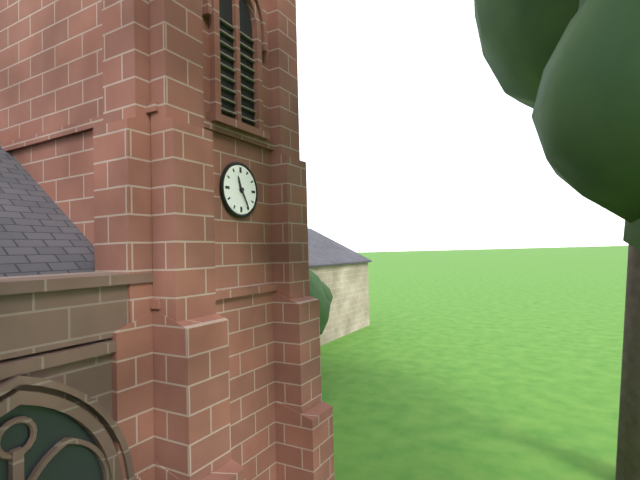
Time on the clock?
11:25
